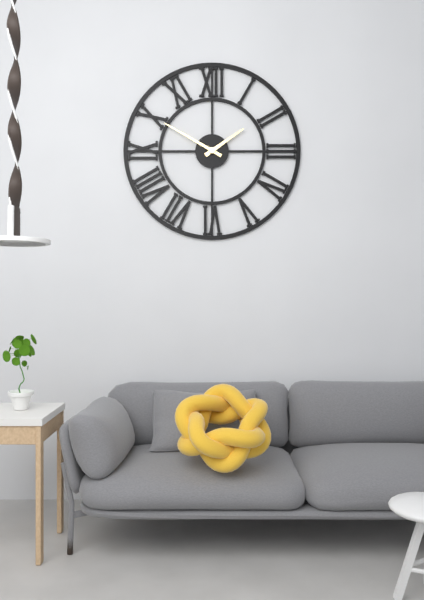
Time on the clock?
1:50
